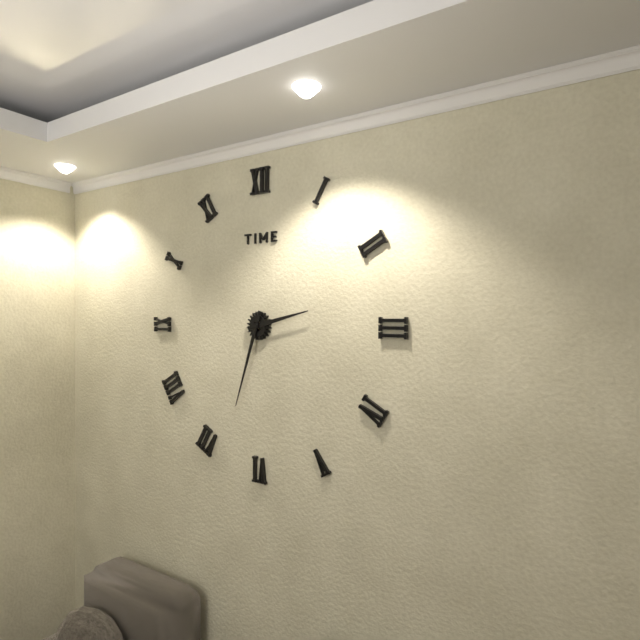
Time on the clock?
2:33
